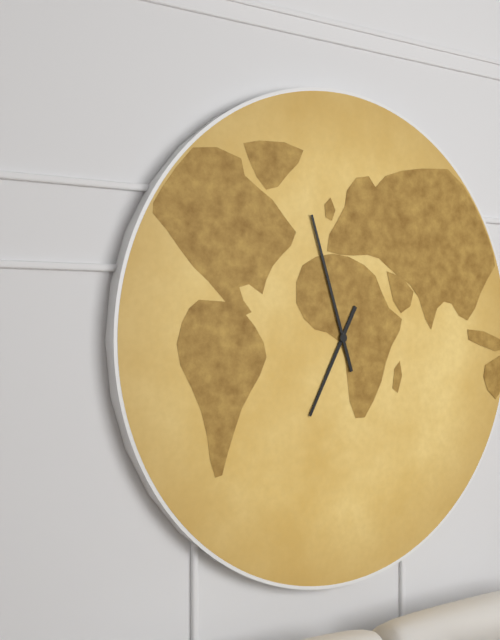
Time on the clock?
6:57
